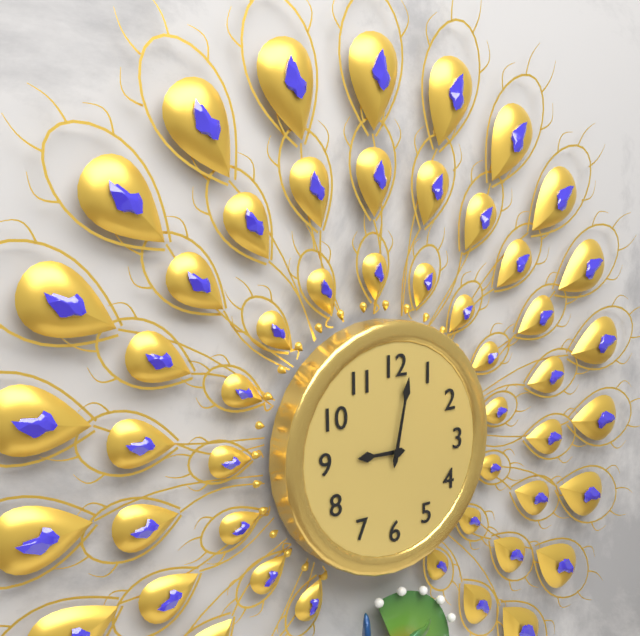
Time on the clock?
9:02
